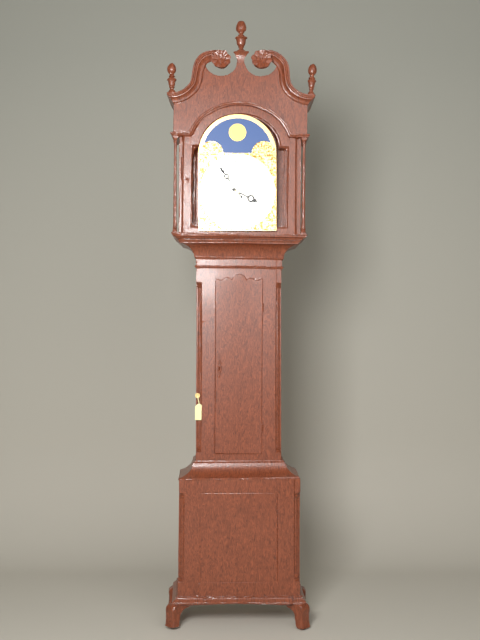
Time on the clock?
3:54
